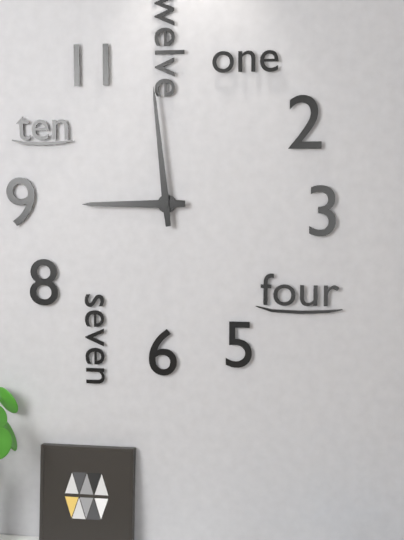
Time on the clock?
8:59
